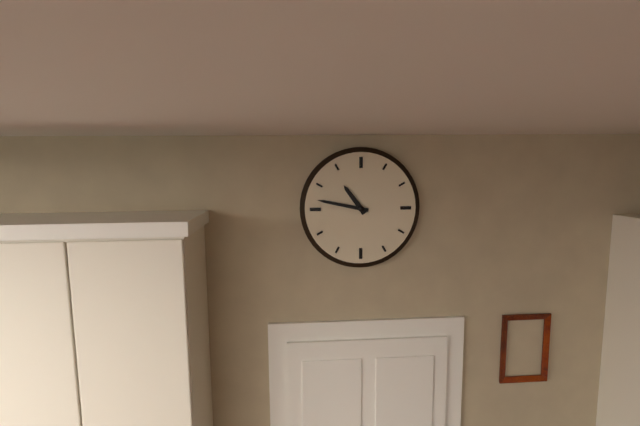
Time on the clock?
10:47
